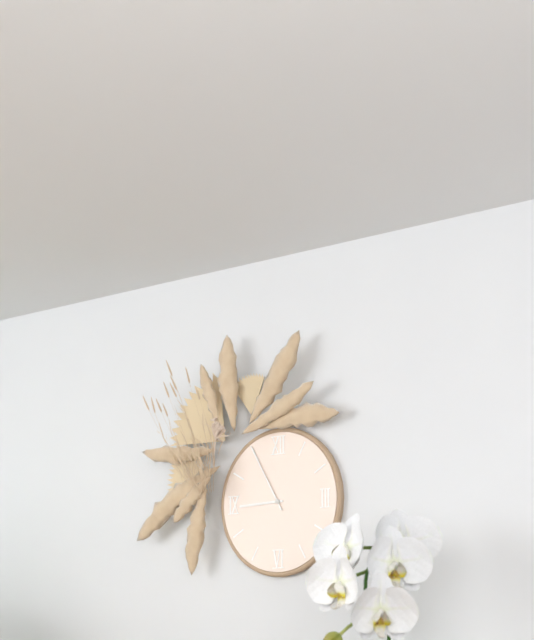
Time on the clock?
8:55
